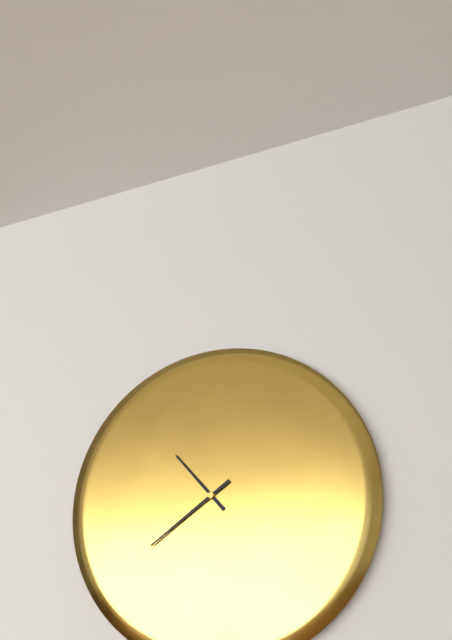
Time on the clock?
10:39
